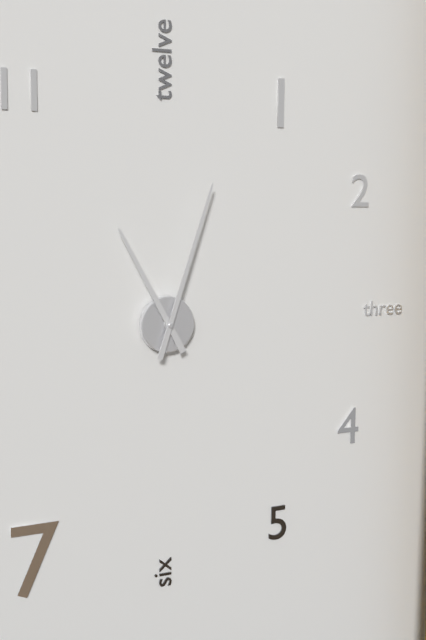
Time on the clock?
11:03
